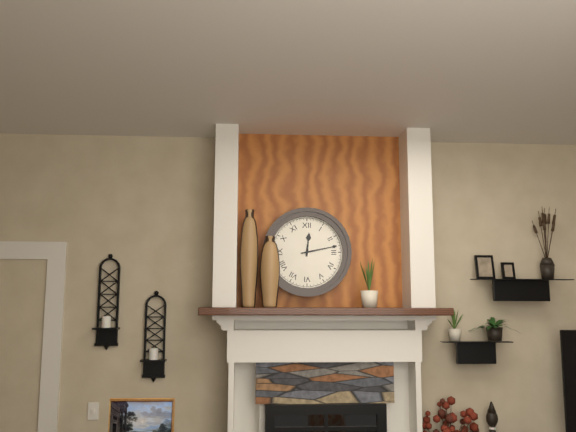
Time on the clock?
12:13
